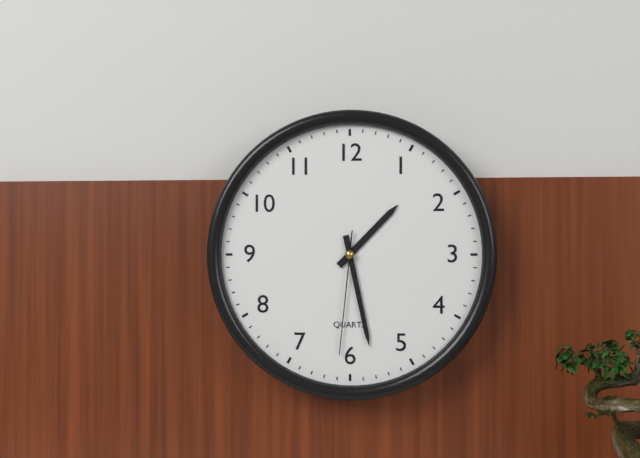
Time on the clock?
1:28:31
